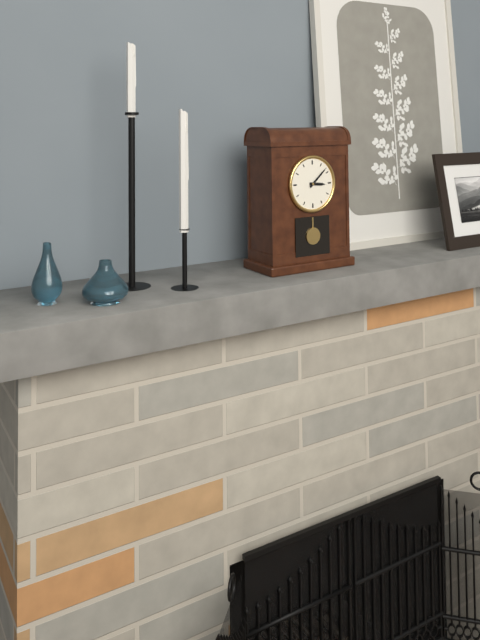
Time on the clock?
3:08
